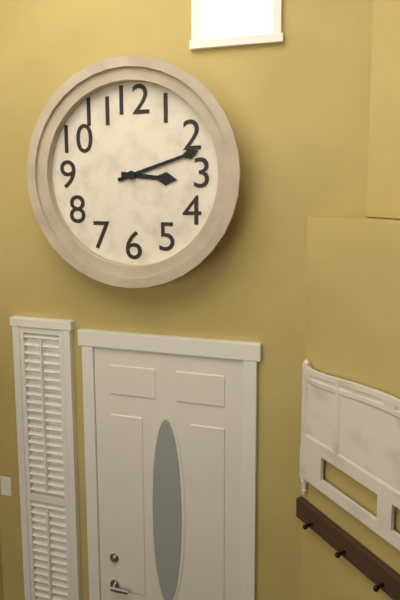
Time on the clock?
3:12
